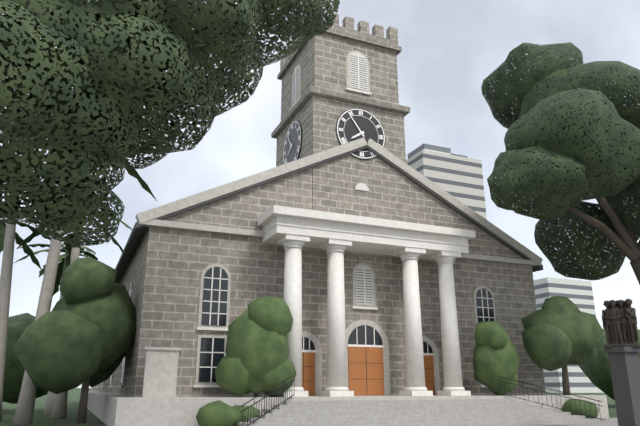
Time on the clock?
7:54
